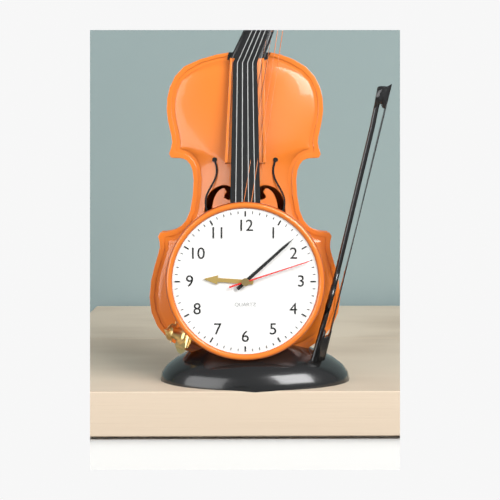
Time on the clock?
9:08:12
